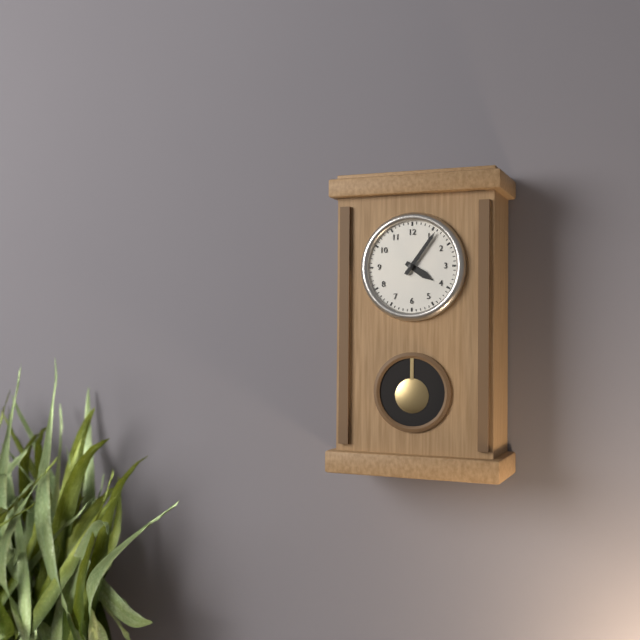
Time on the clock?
4:06
